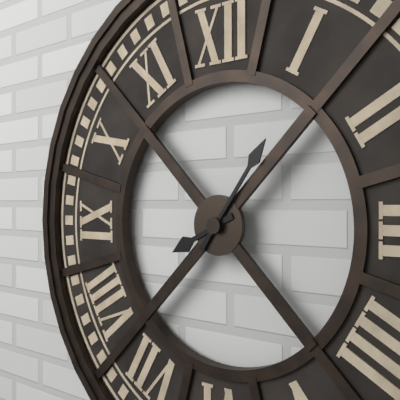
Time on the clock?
8:06
